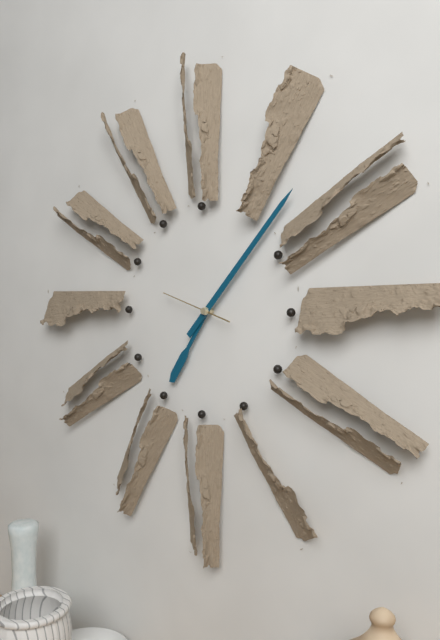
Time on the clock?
7:07:48
